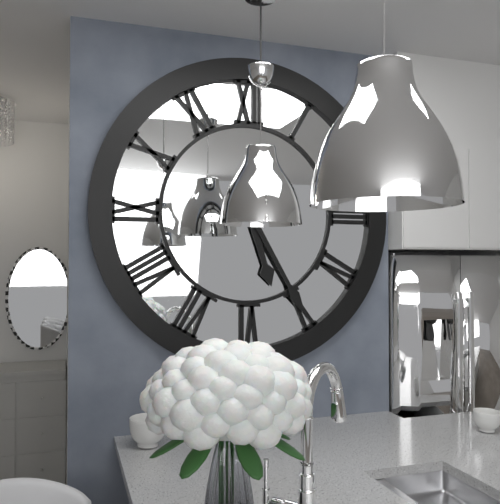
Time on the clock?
5:25
